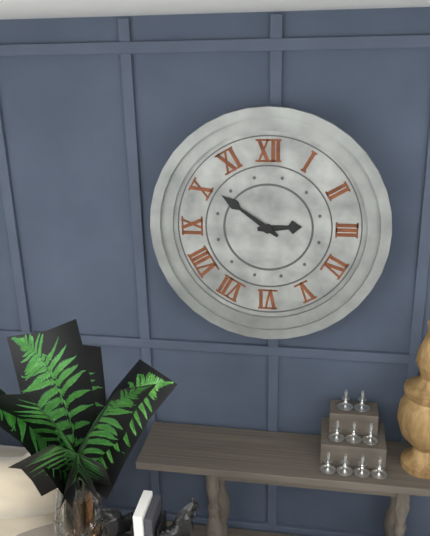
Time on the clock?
2:51
